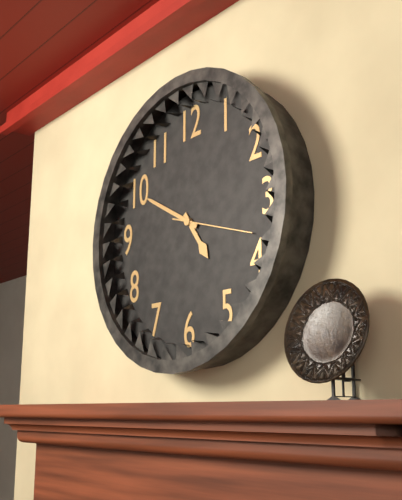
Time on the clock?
4:50:18
